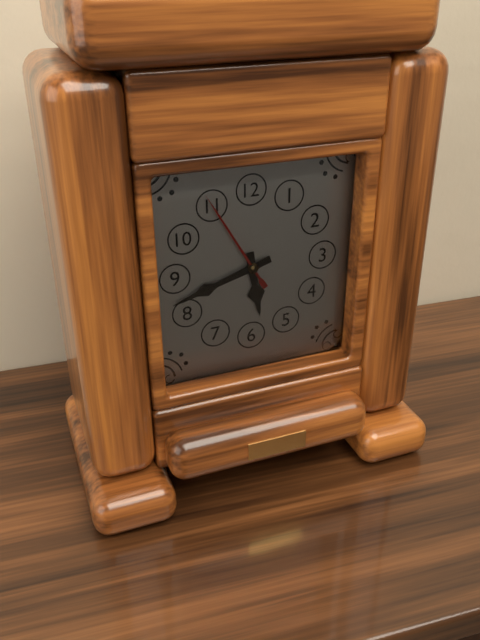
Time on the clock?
5:42:55
